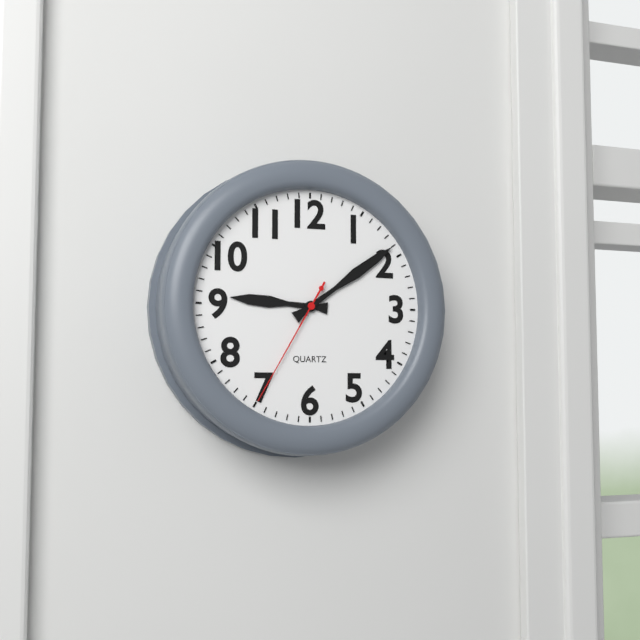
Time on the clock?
9:09:35
